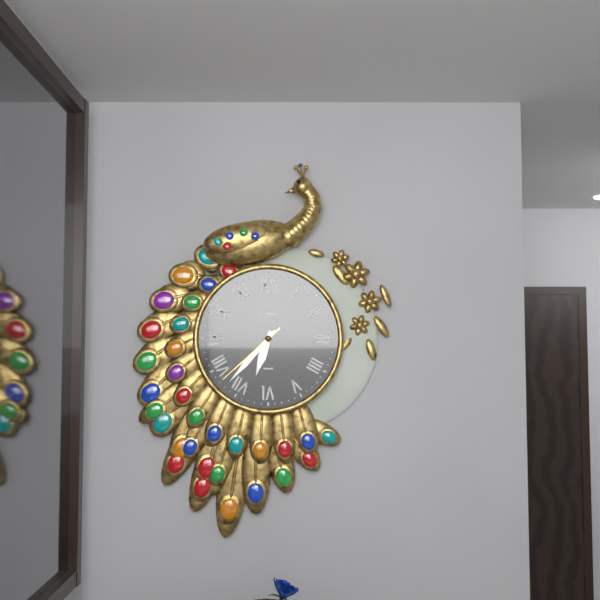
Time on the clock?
6:37:38
